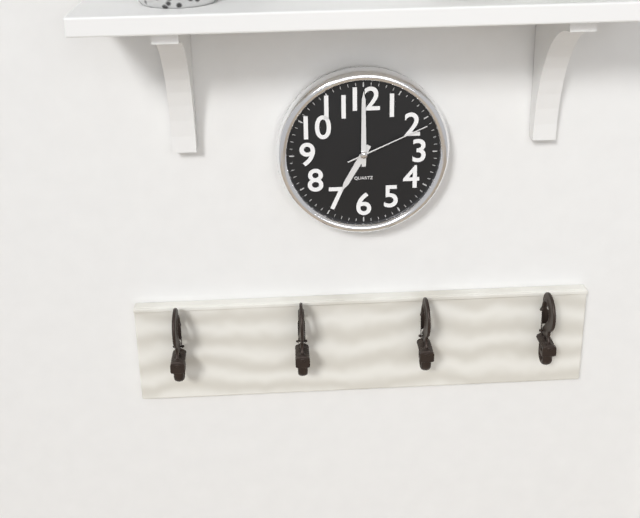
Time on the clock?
7:00:11
